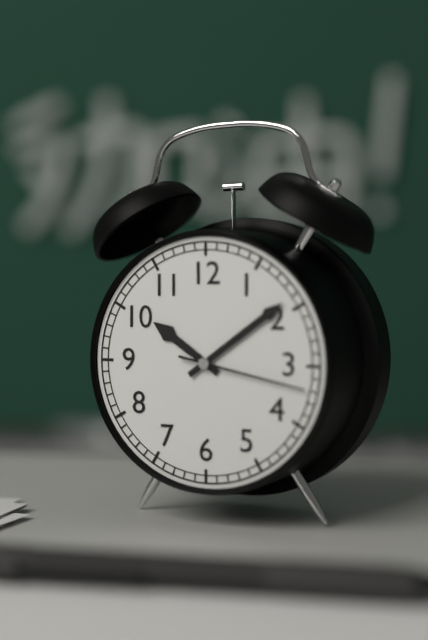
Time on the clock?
10:09:17
